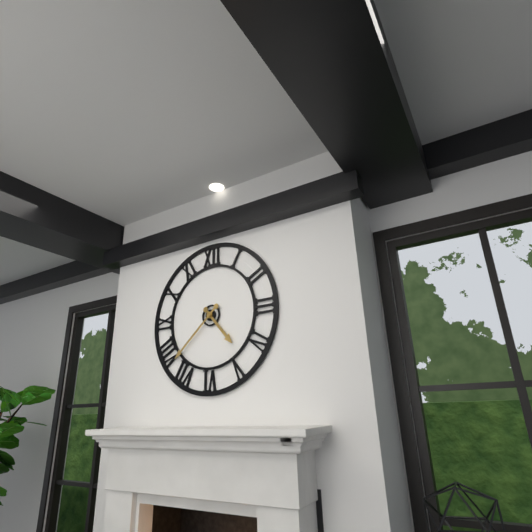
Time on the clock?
4:38
